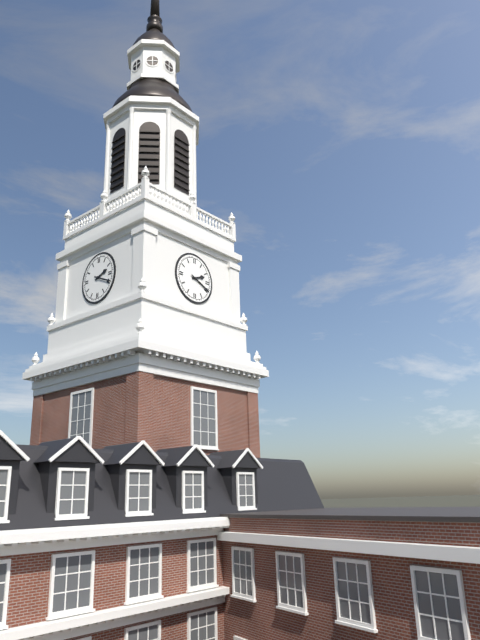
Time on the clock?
2:19
